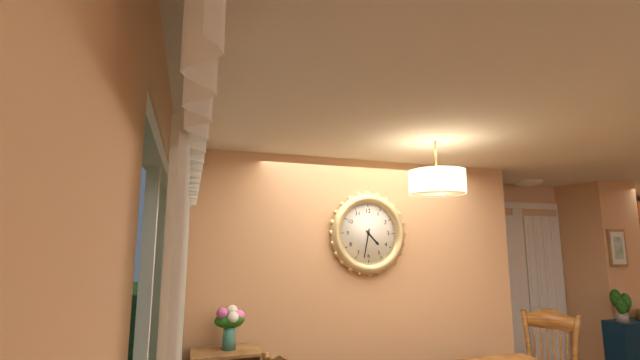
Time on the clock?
4:32
